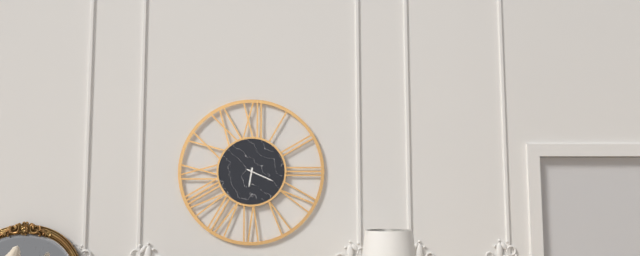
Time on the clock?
6:19
